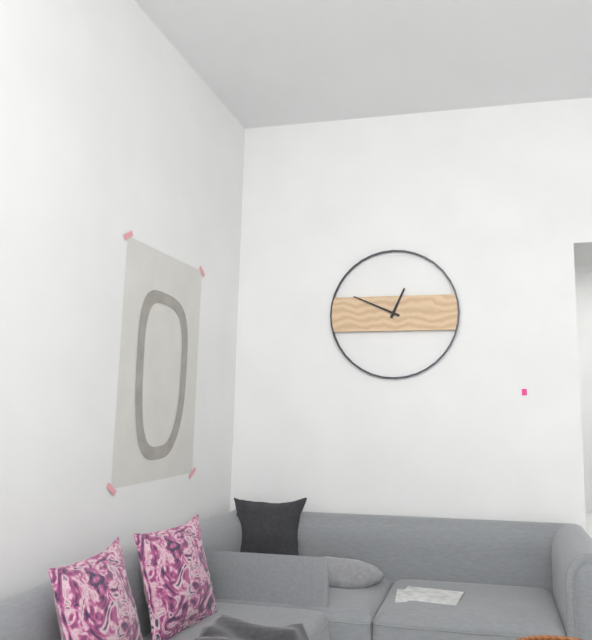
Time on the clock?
12:49
